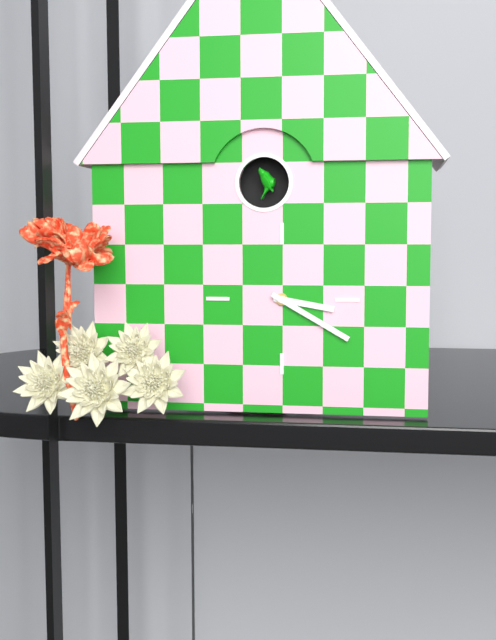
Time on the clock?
3:20
